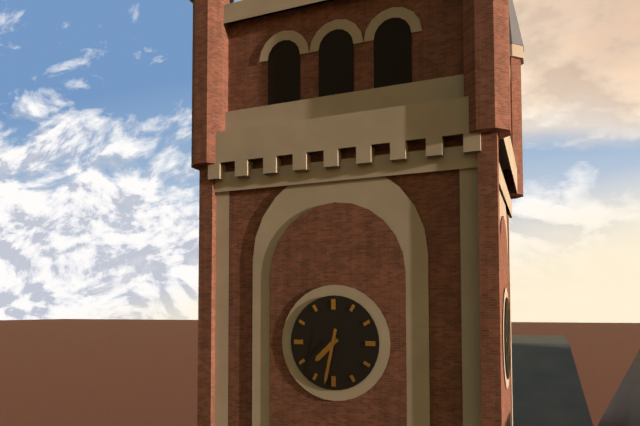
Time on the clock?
7:32
